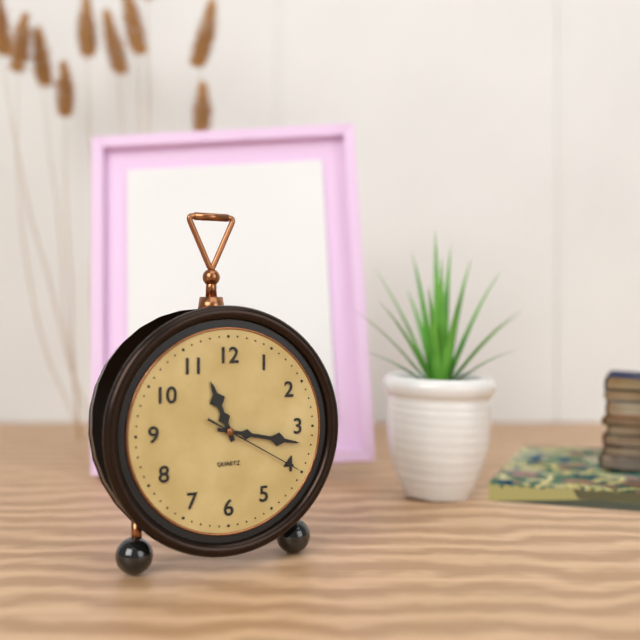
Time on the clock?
11:17:20
